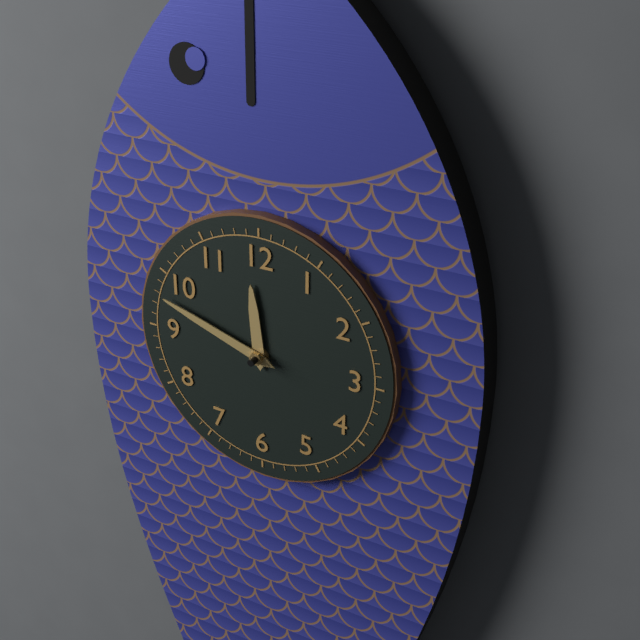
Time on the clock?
11:48
